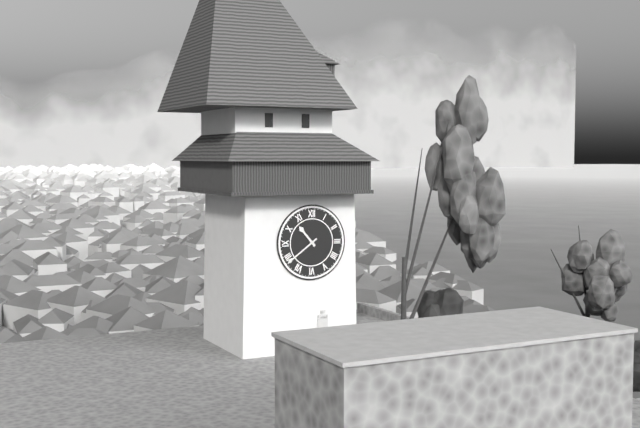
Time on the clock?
10:39
